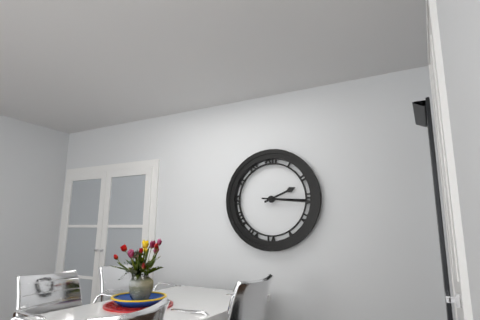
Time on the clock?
2:16
